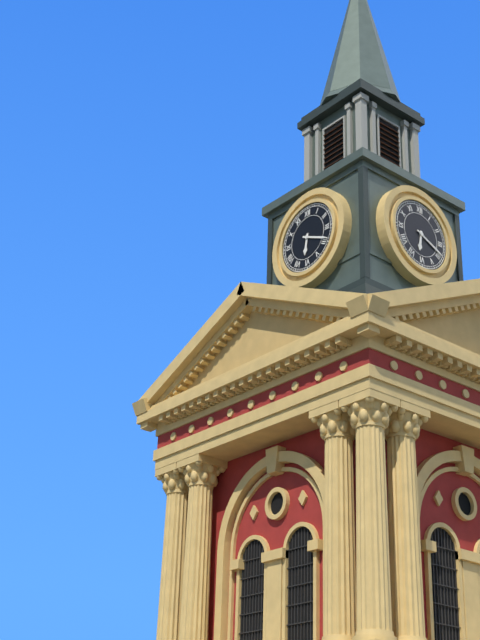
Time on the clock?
6:19
